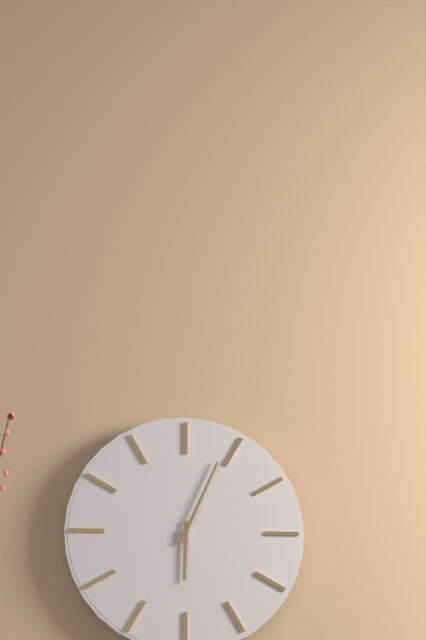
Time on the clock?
6:04
